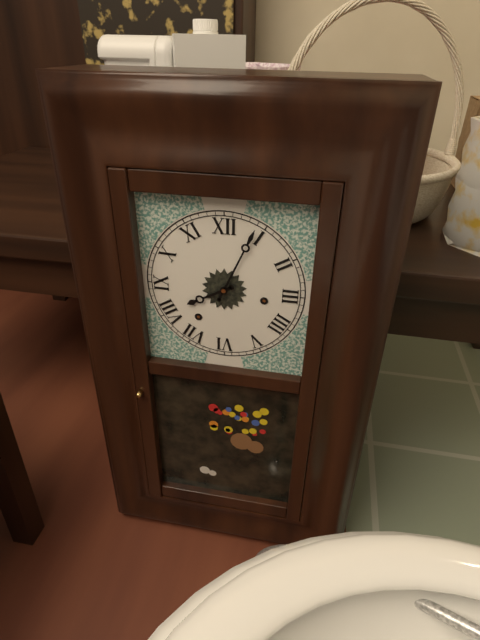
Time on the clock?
8:04
